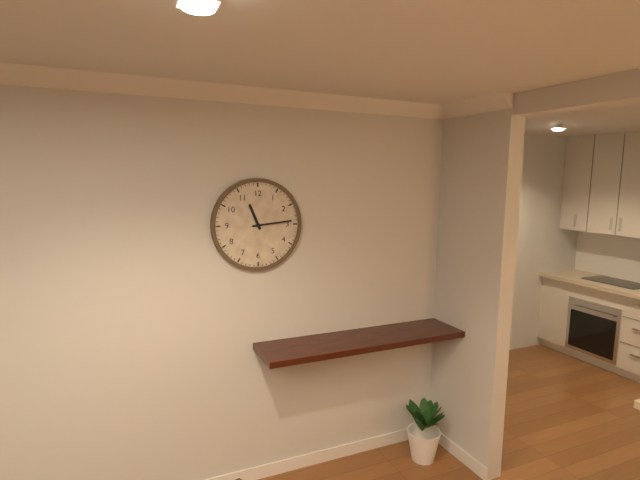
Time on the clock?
11:14
